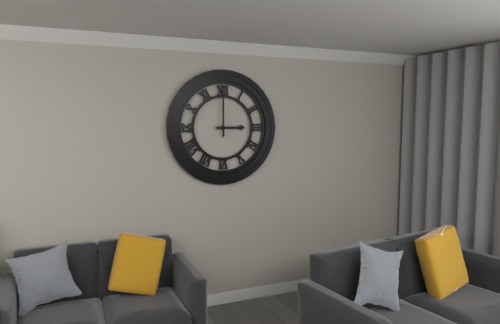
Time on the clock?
3:00
